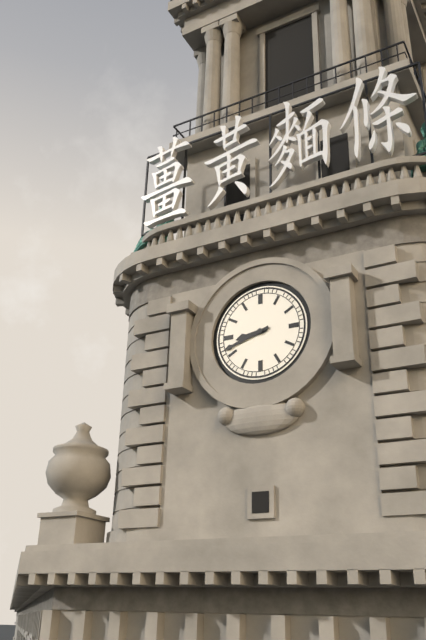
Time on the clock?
8:42
